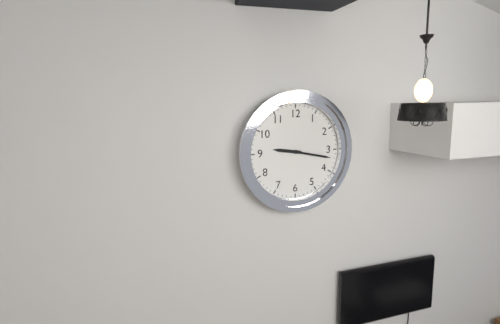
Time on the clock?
9:17
